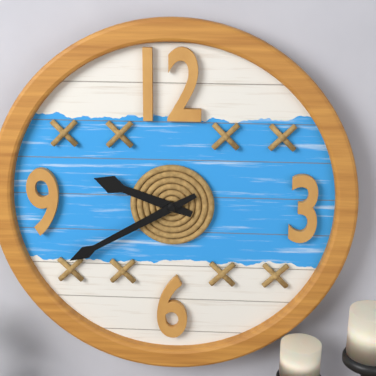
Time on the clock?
9:40
